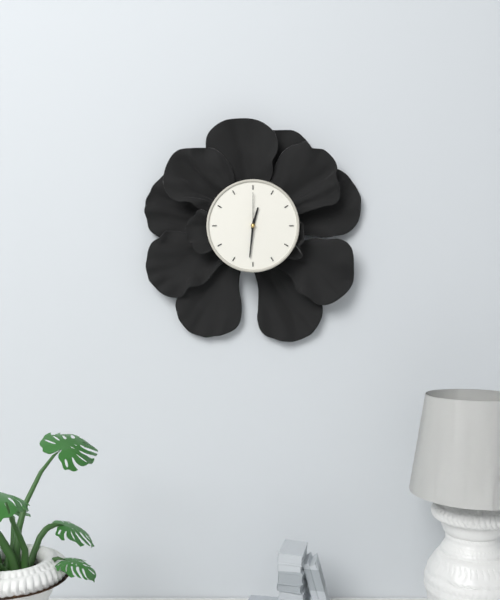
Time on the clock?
12:31
